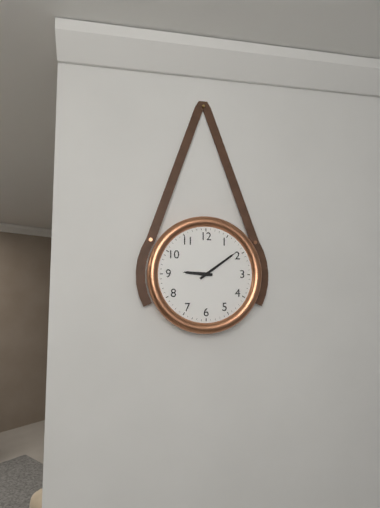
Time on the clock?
9:09
